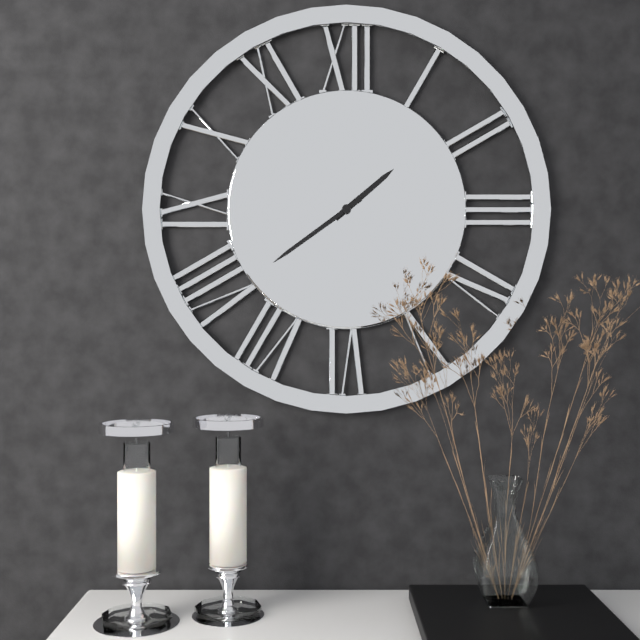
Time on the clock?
1:39
